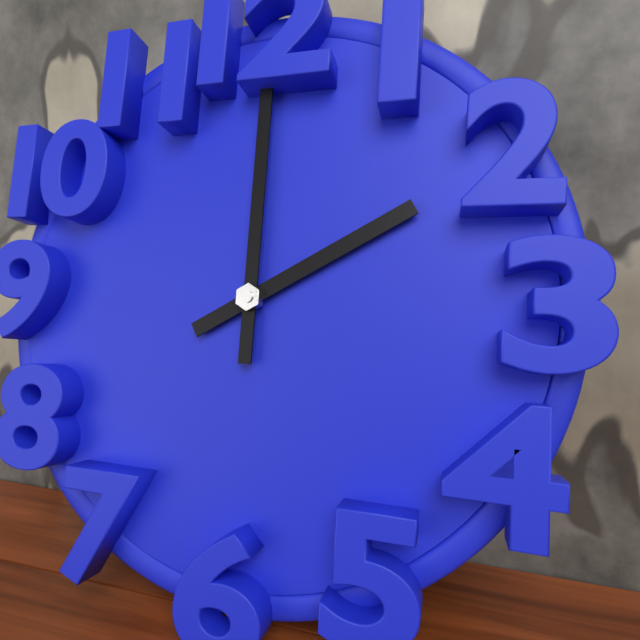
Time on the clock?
2:00
